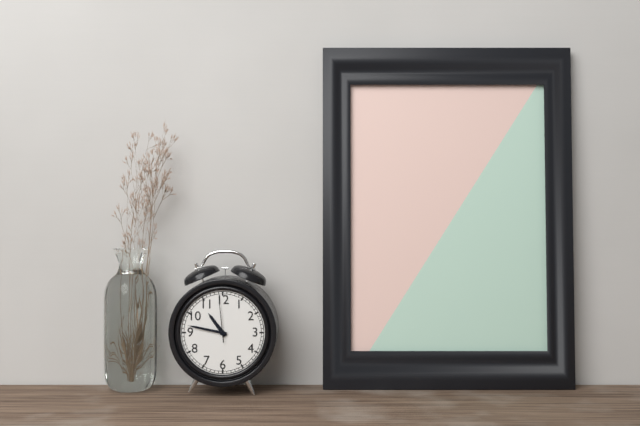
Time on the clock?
10:47
